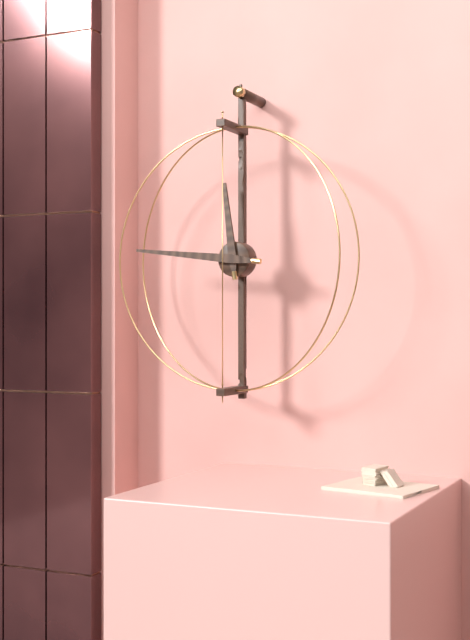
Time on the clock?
11:46
